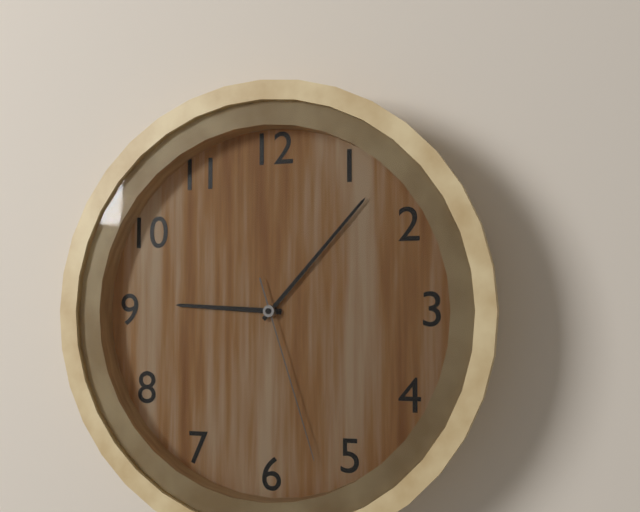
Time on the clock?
9:07:27
